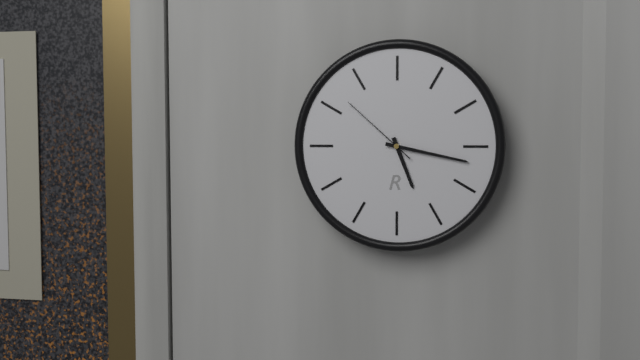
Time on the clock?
5:17:52
